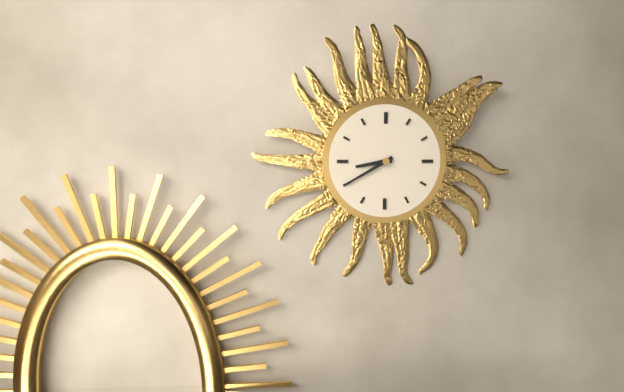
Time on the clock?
8:40
